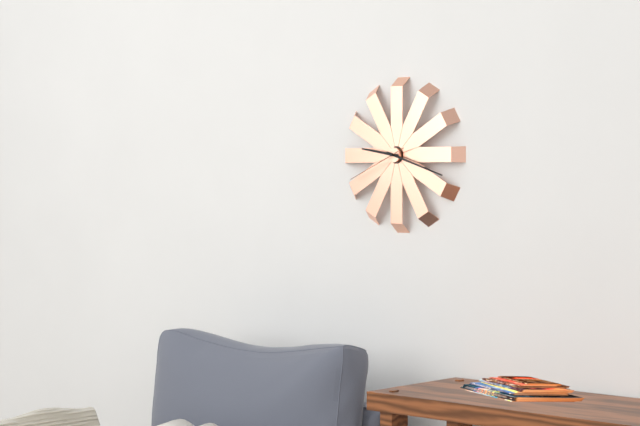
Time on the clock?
9:18:41
